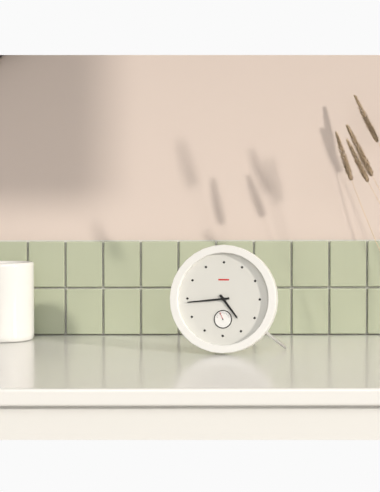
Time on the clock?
4:44
